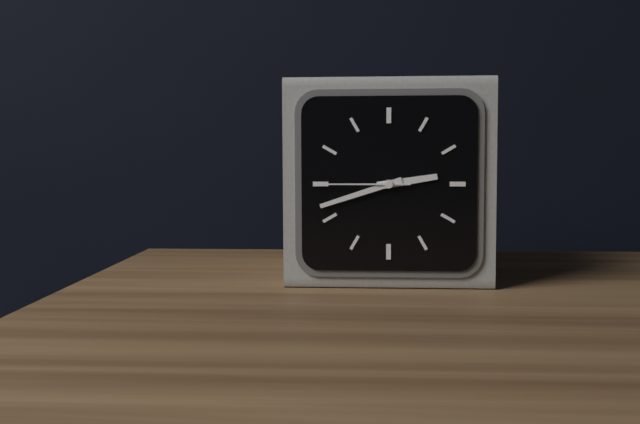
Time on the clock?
2:42:45
